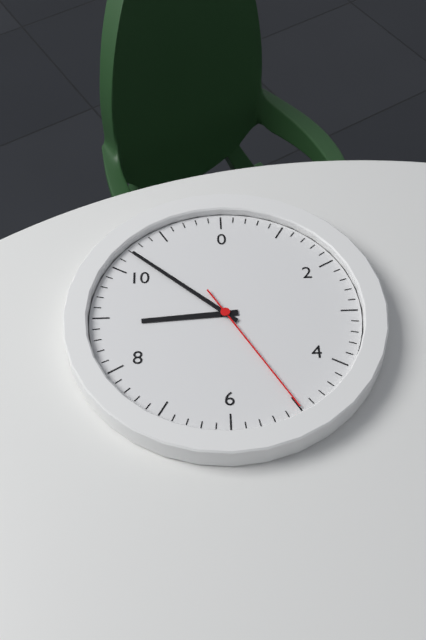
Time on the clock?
8:52:25
